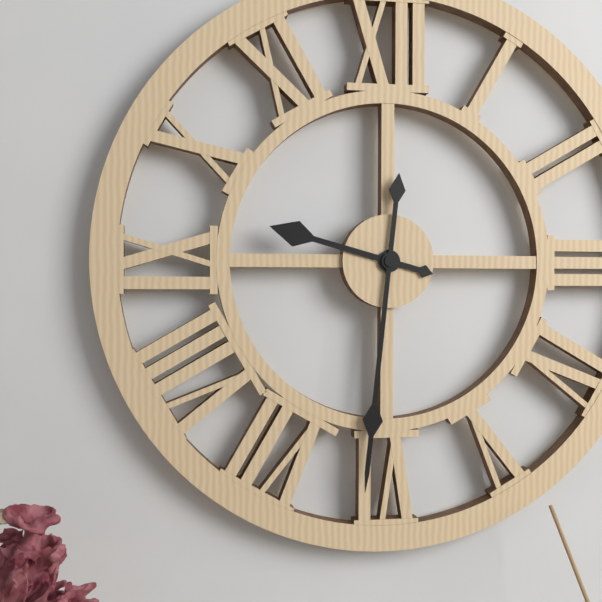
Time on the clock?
9:31
